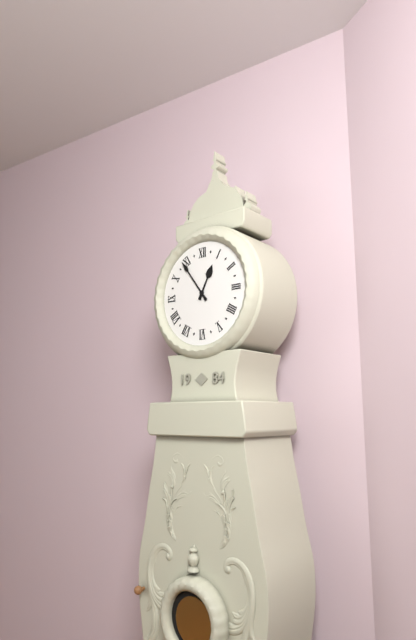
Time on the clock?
12:54
